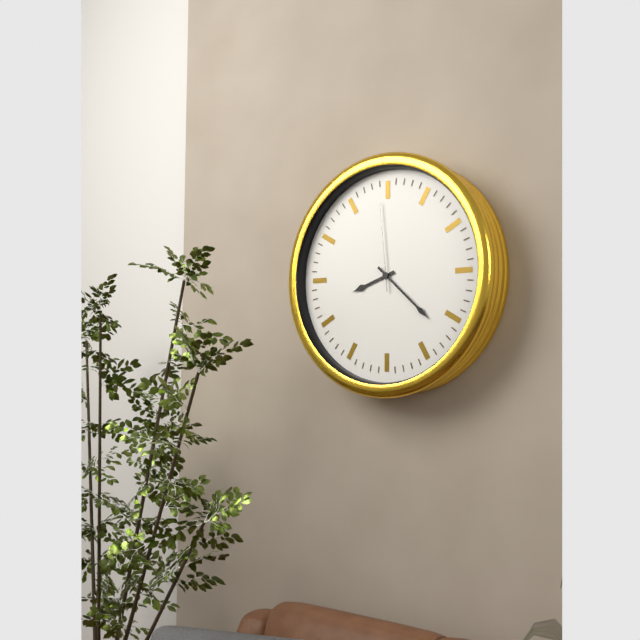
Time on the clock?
8:22:59
